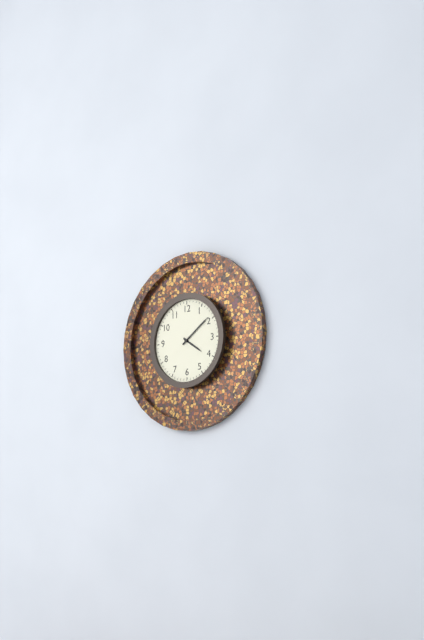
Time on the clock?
4:09
